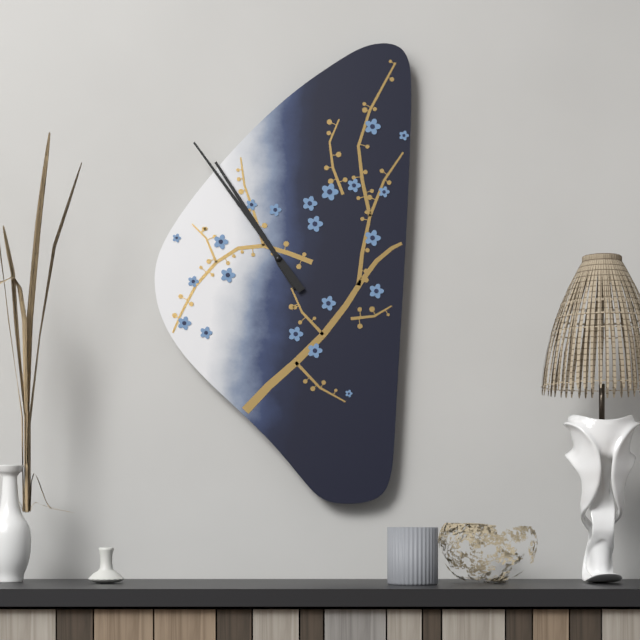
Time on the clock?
10:54
